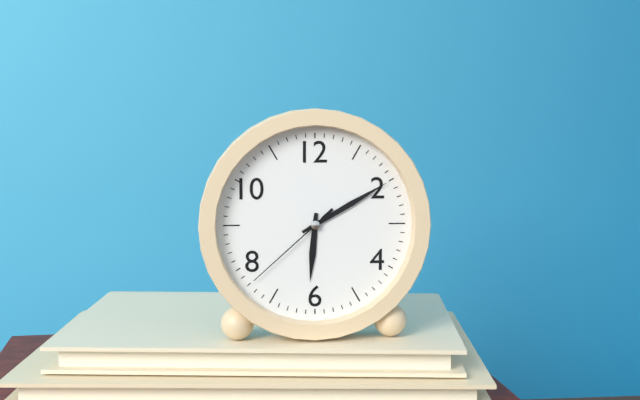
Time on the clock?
6:10:38
